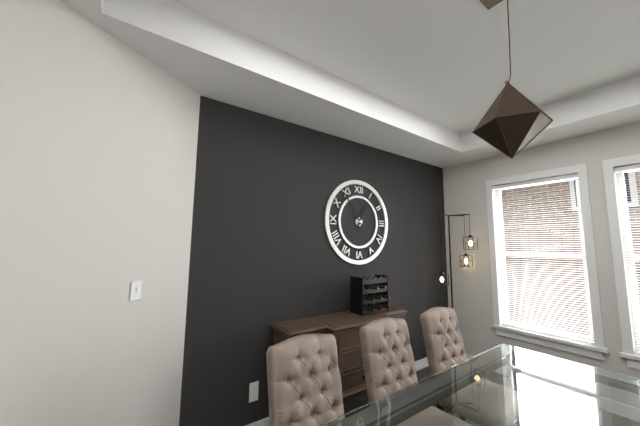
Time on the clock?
12:54
